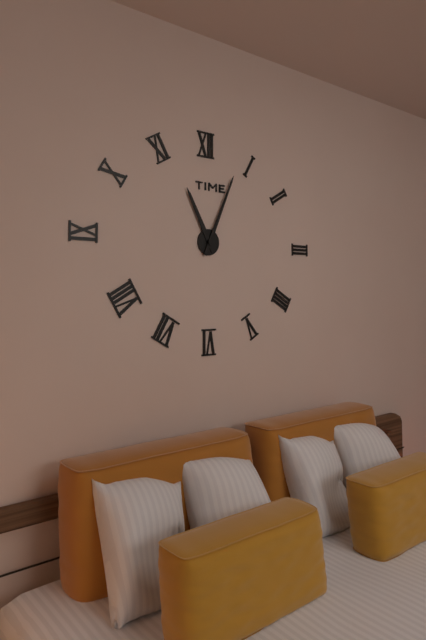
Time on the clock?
11:04
